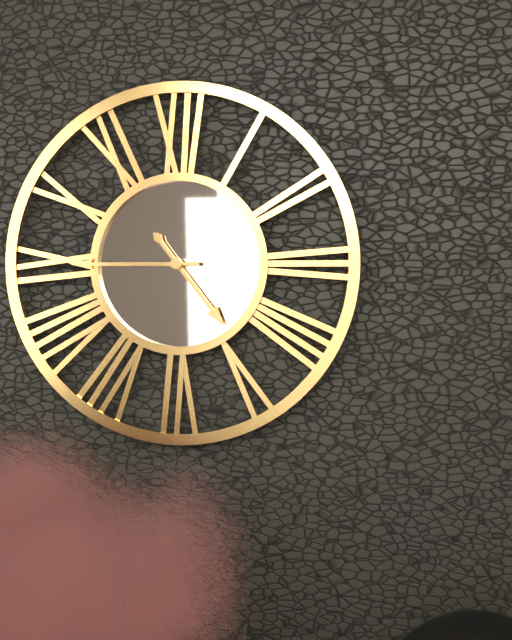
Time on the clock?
4:45
